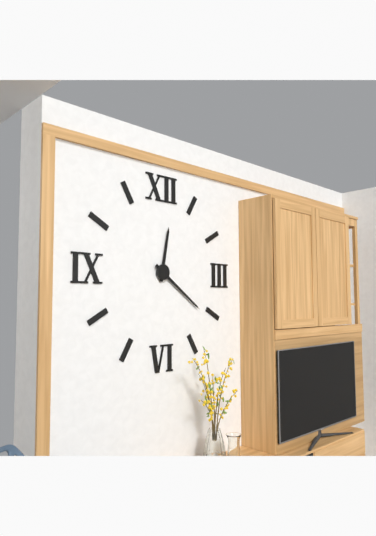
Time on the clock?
12:21
